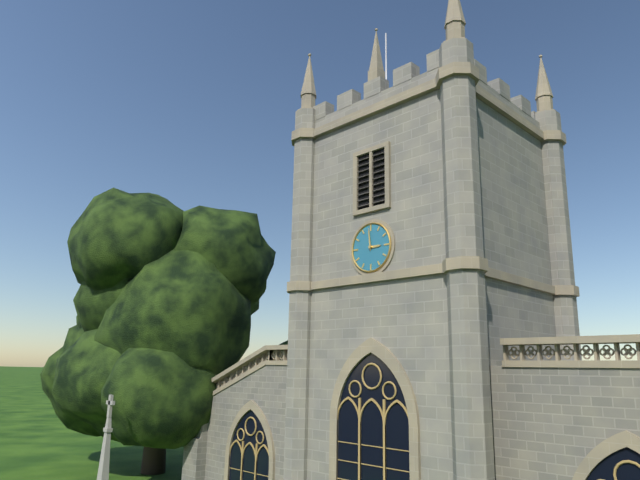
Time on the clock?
2:59
